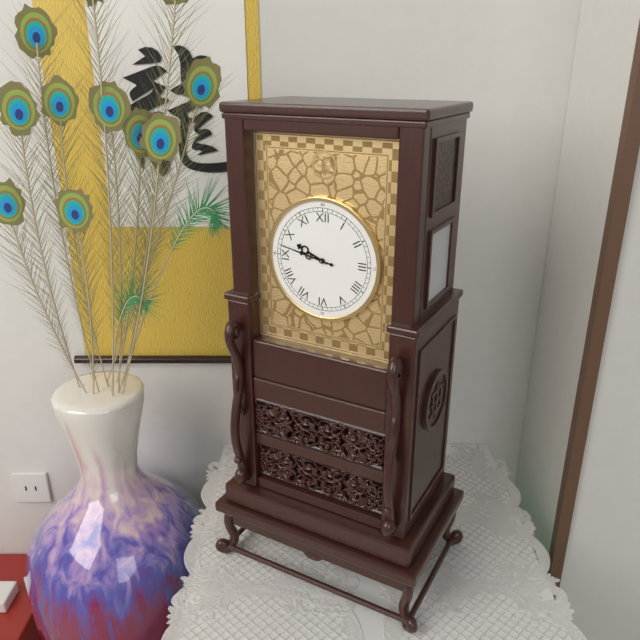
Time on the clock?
9:47
